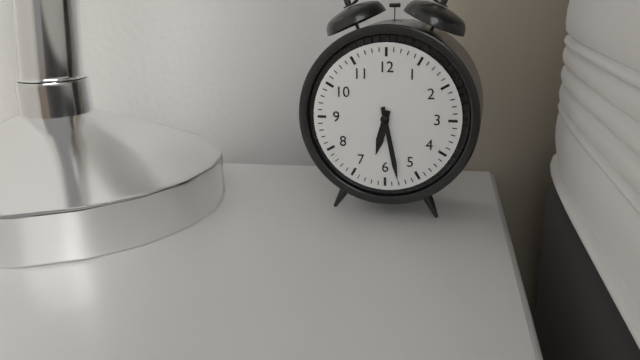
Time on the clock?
6:28
